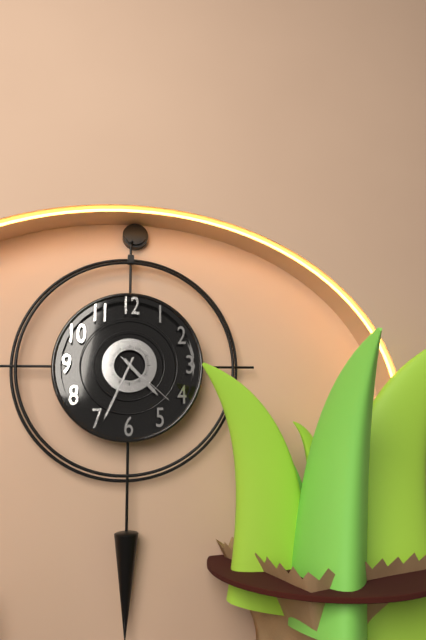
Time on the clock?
4:34:22
